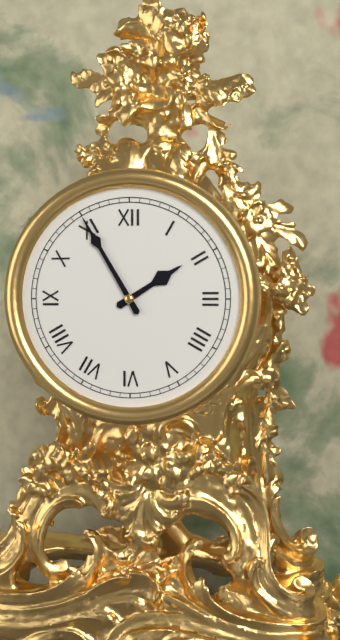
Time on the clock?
1:55
